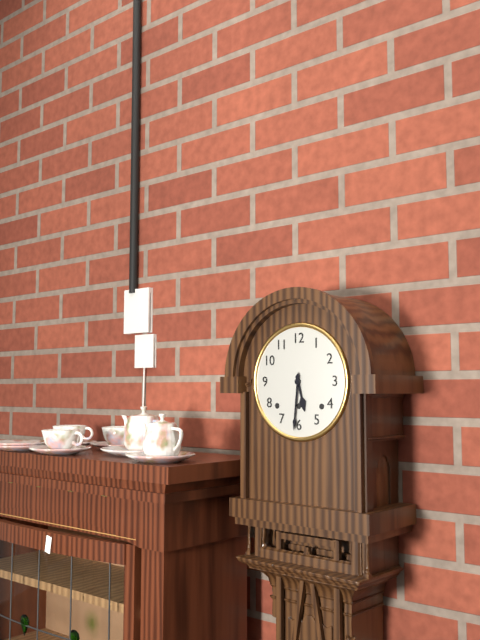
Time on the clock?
5:31
